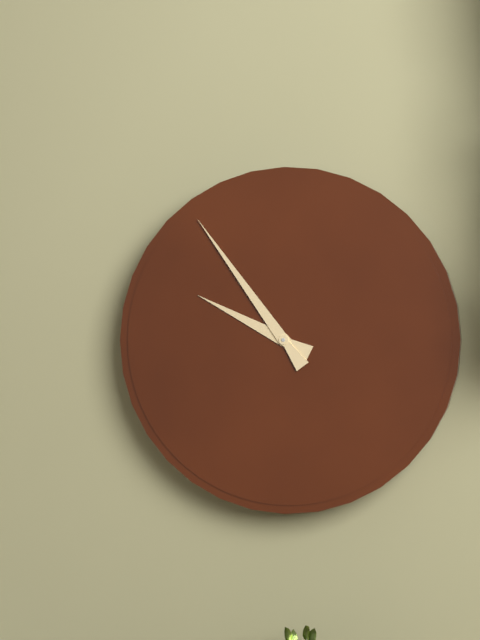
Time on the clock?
9:54
